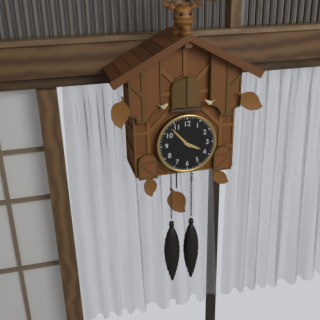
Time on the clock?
3:53
